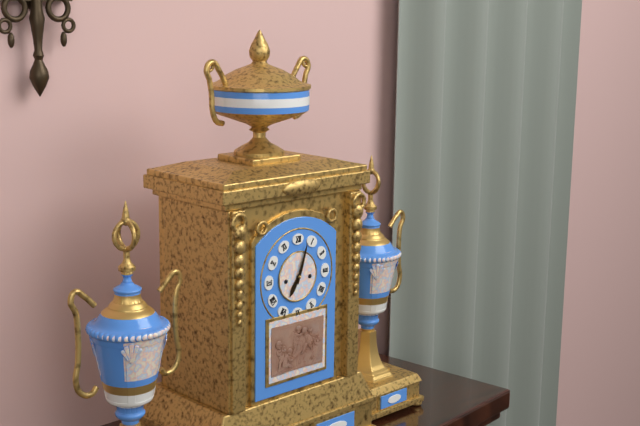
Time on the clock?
7:03
